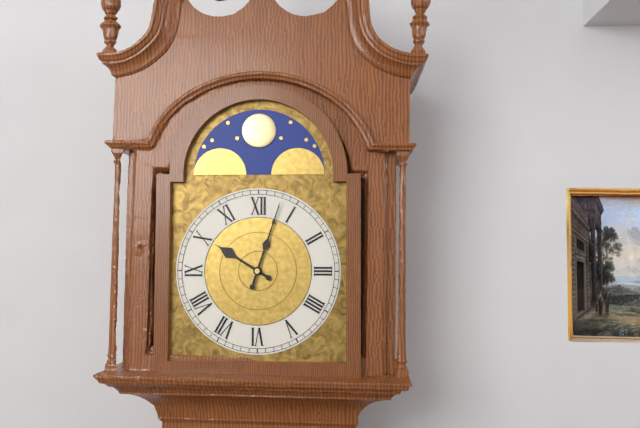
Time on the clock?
10:03
